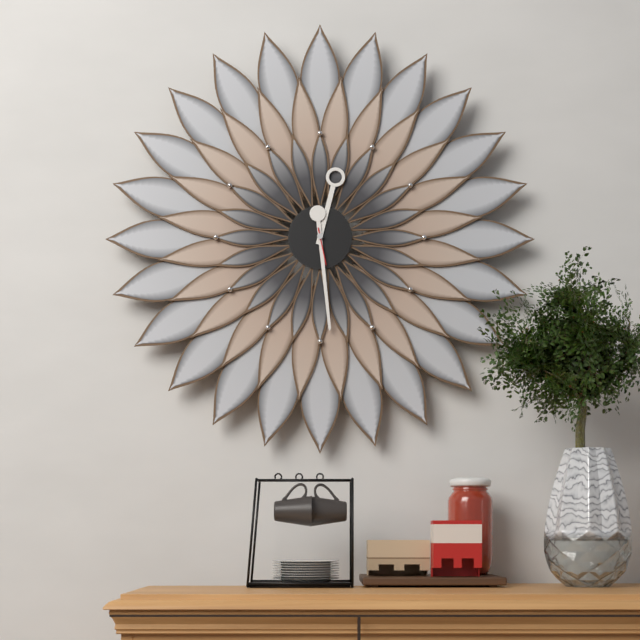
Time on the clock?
12:29
